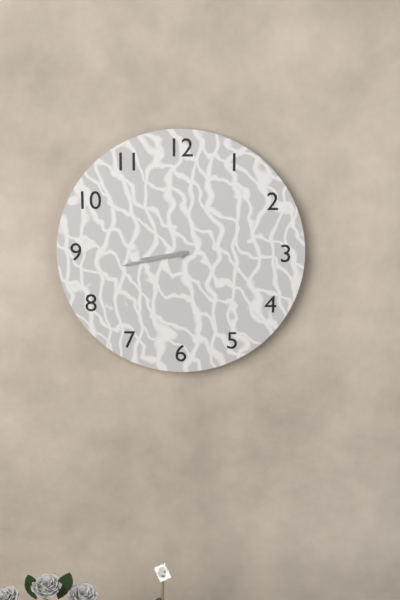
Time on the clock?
8:43
